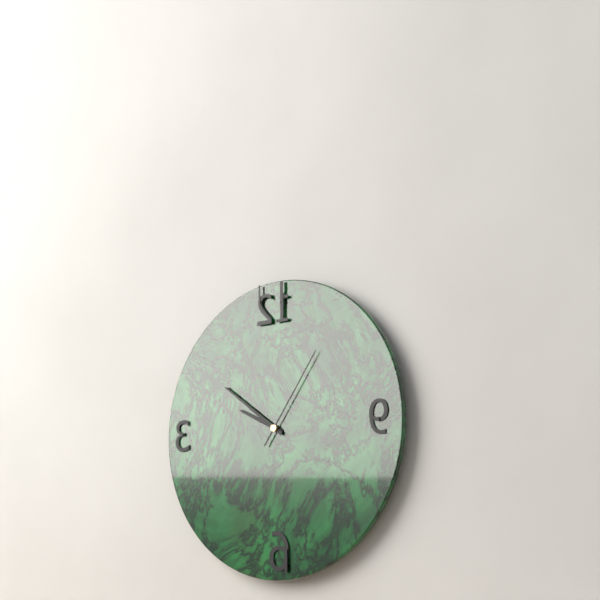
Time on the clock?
9:51:06
